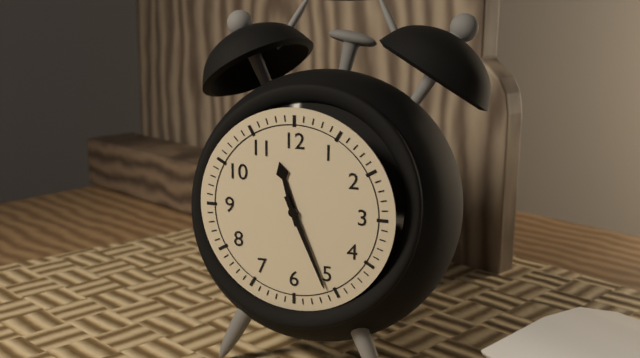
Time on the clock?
11:26
